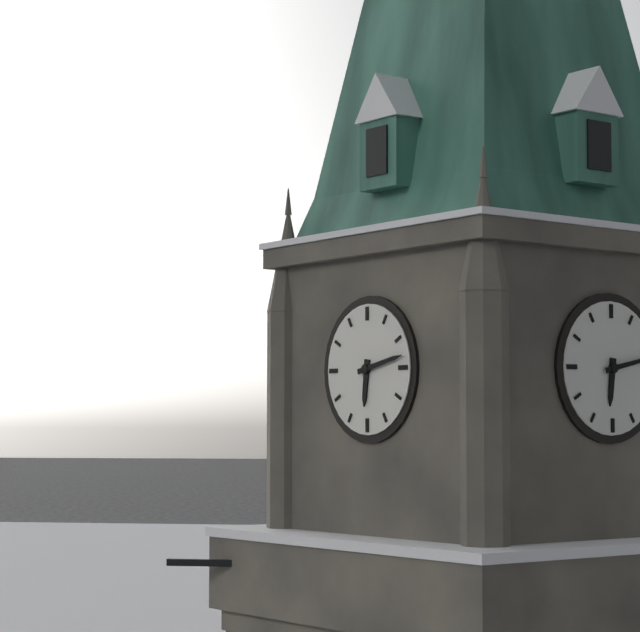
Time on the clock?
6:13
